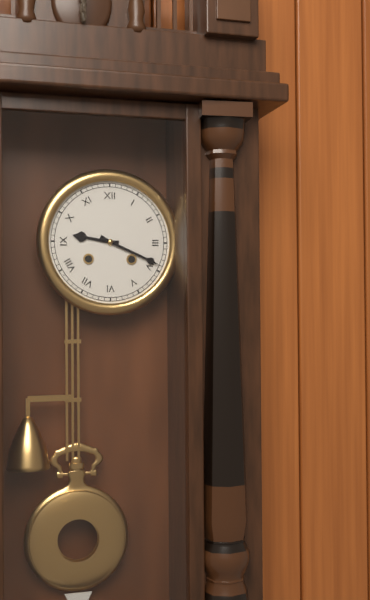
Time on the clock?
9:19
